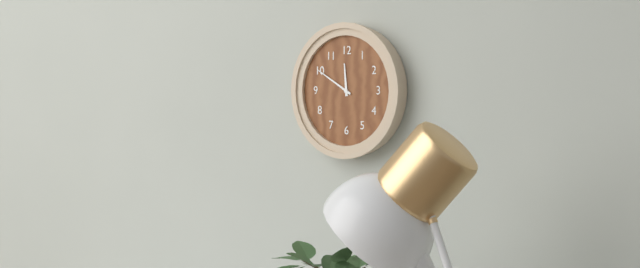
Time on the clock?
11:50
